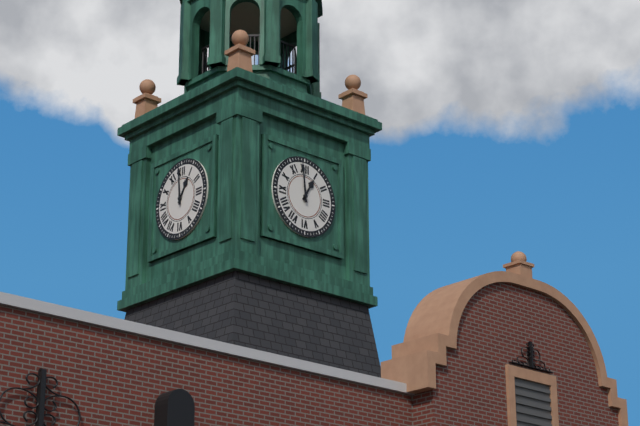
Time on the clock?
12:59
